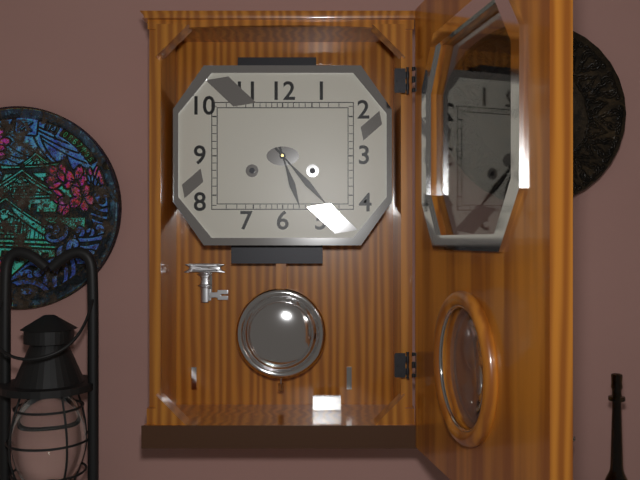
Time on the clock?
5:23
